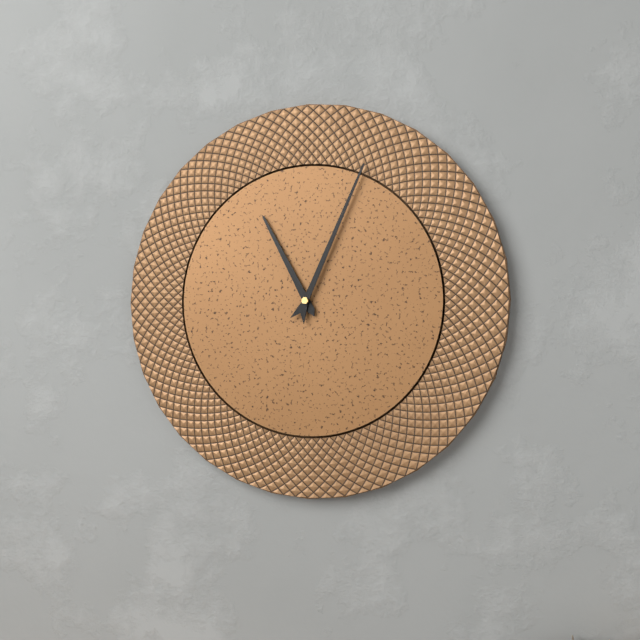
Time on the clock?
11:04
